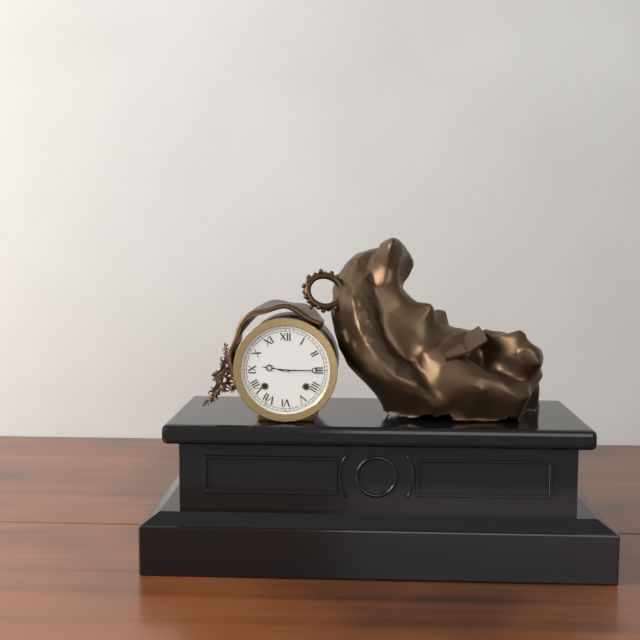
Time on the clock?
9:15
